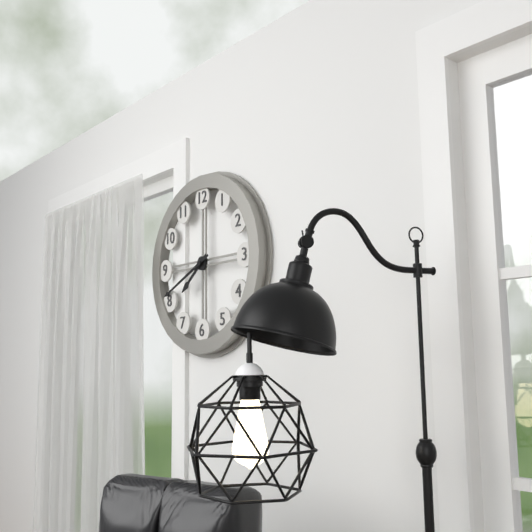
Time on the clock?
7:41
